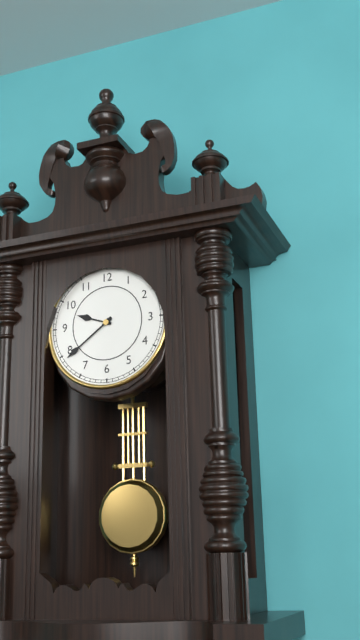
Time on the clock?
9:39
